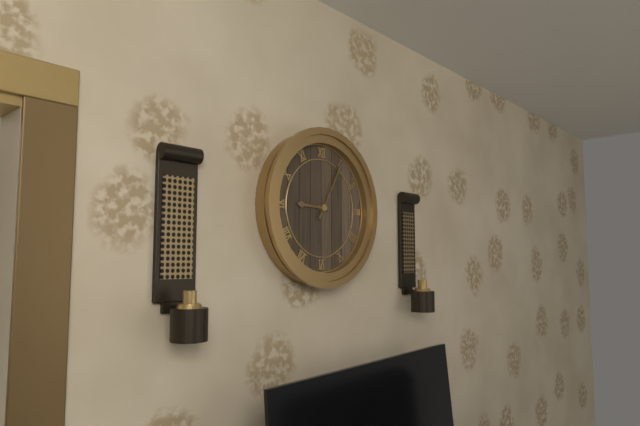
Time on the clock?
9:05
